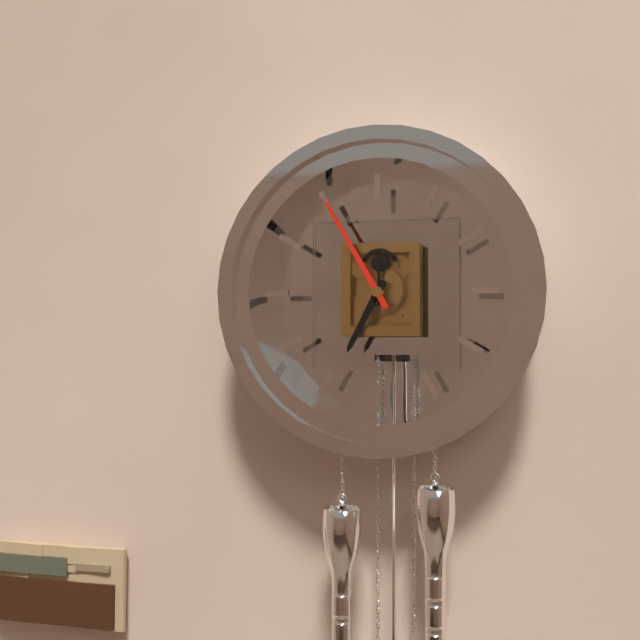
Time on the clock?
6:55
